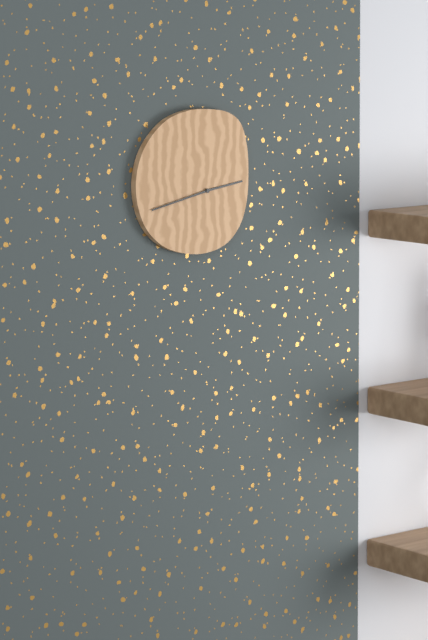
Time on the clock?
2:43
